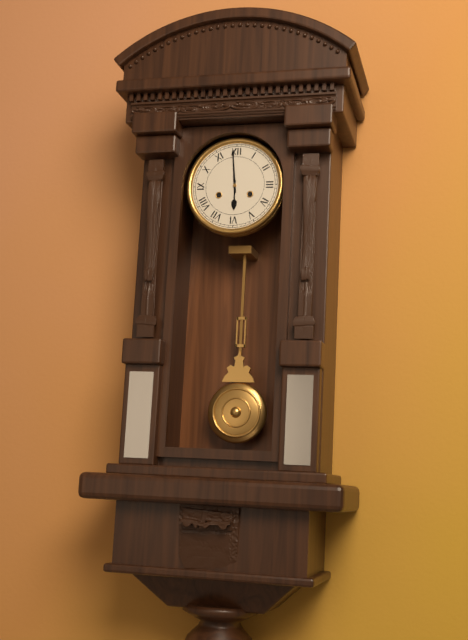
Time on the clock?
5:59
